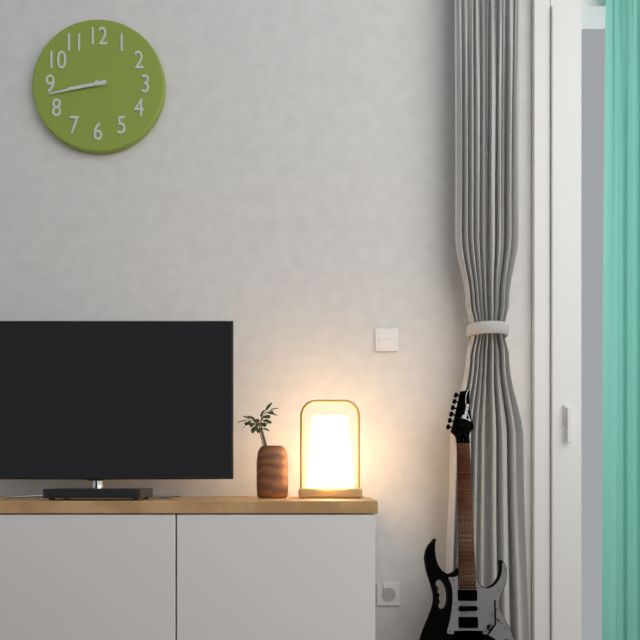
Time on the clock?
8:43
